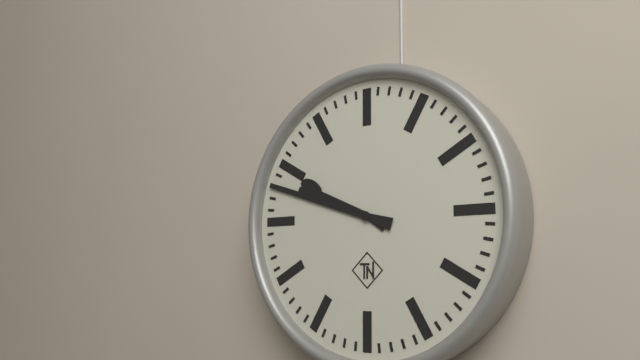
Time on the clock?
9:48
